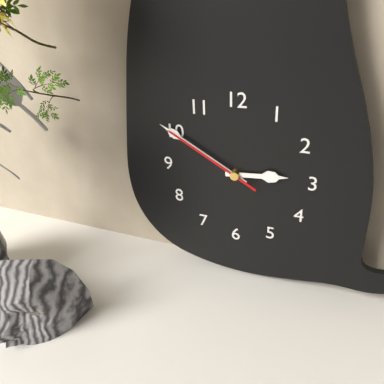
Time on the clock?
2:50:50
